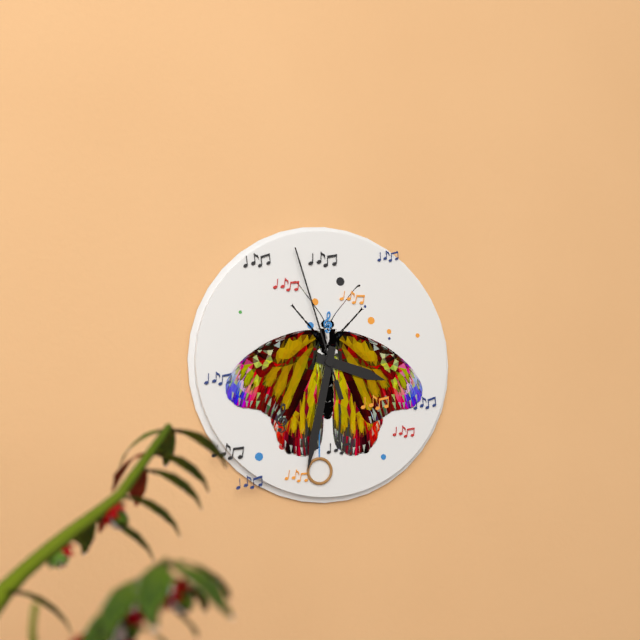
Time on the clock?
3:32:57
